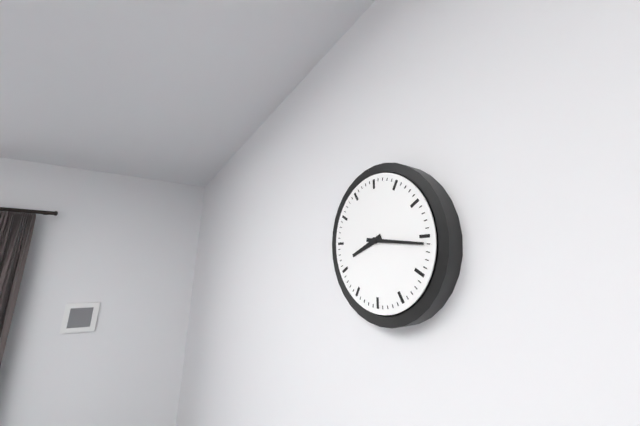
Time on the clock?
8:16
